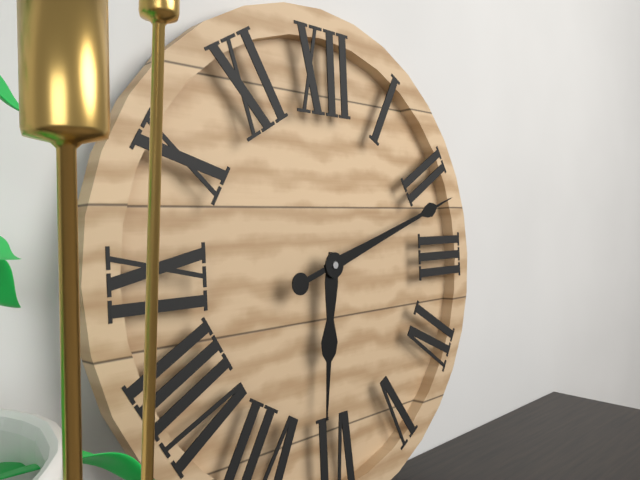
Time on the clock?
6:12
